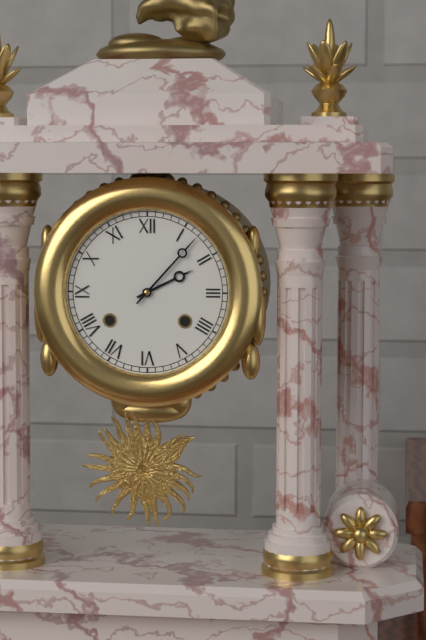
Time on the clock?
2:07
